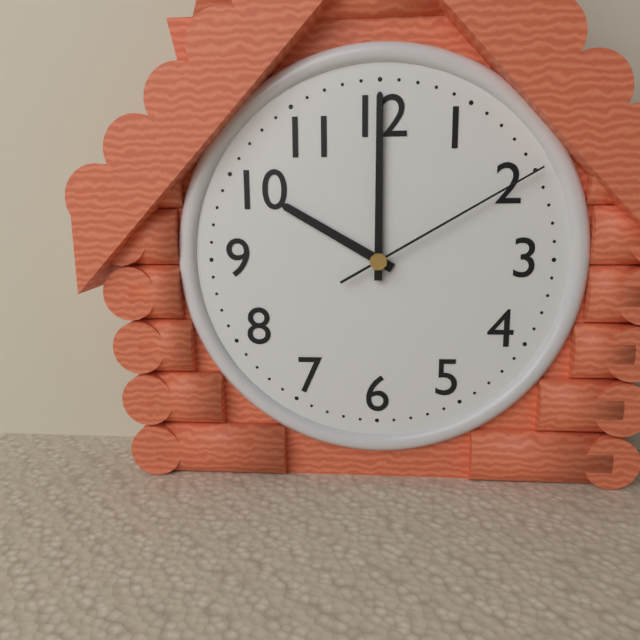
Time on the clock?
10:00:10
